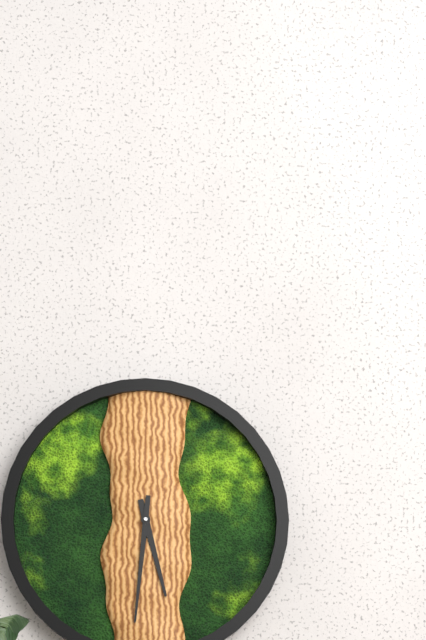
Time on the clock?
5:31
